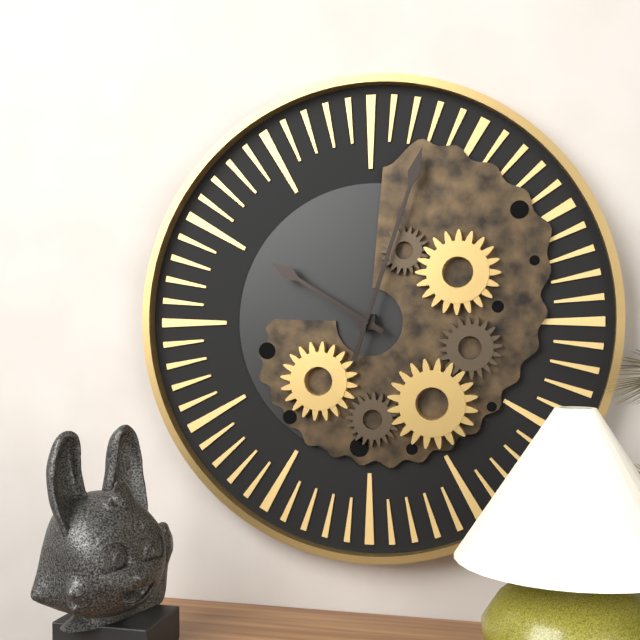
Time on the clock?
10:03
